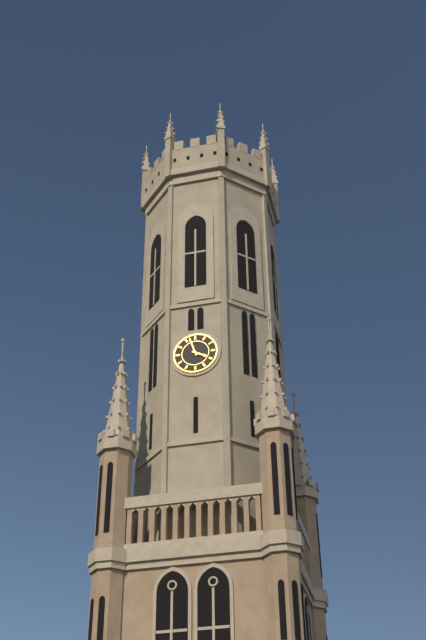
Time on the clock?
3:57
